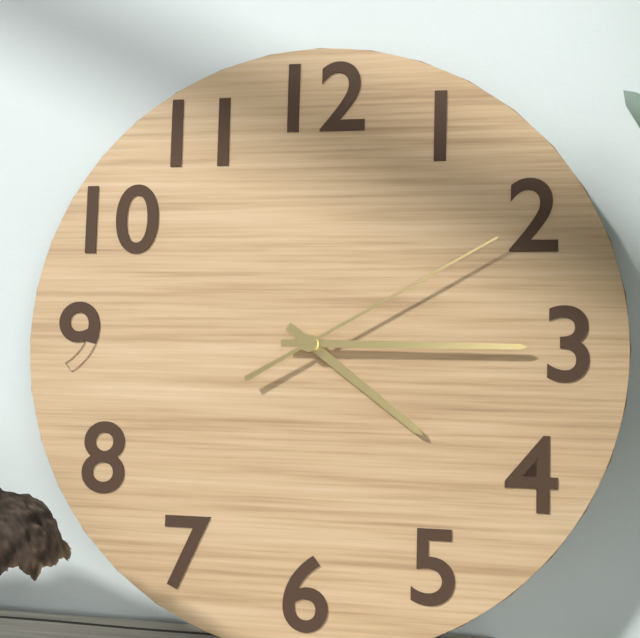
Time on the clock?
4:15:10
